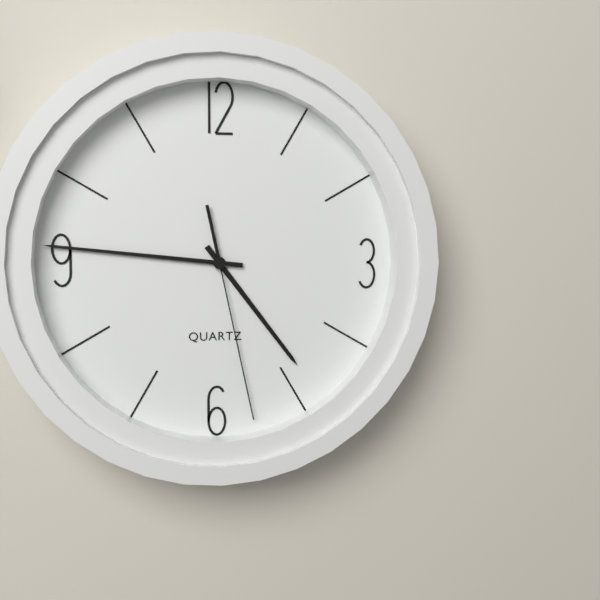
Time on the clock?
4:46:28
